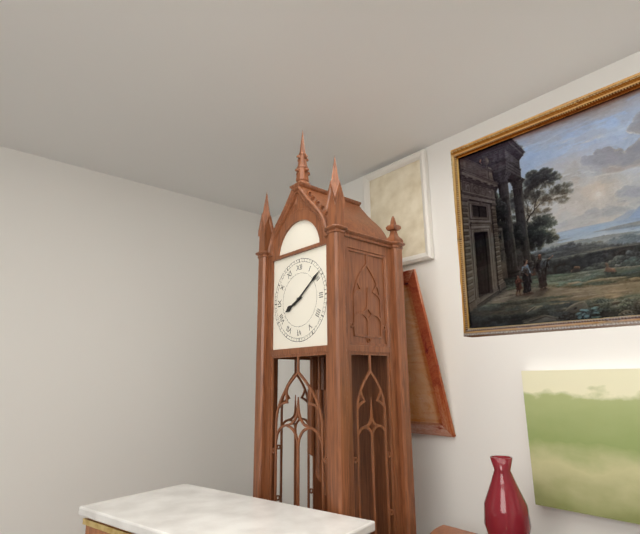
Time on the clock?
8:09
